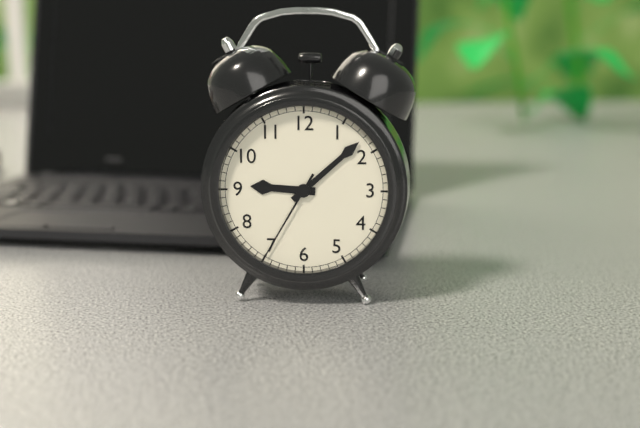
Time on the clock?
9:08:35
